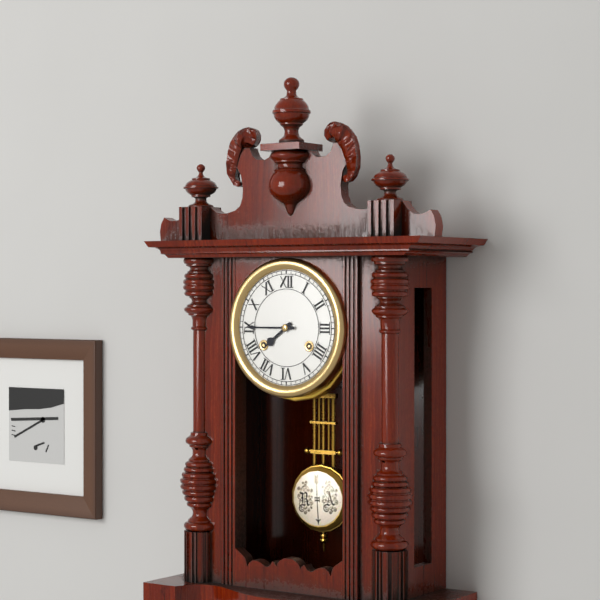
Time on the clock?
7:45
